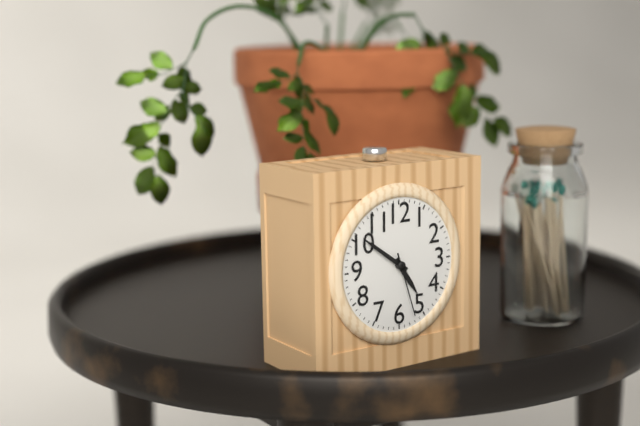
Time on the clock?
4:51:27
